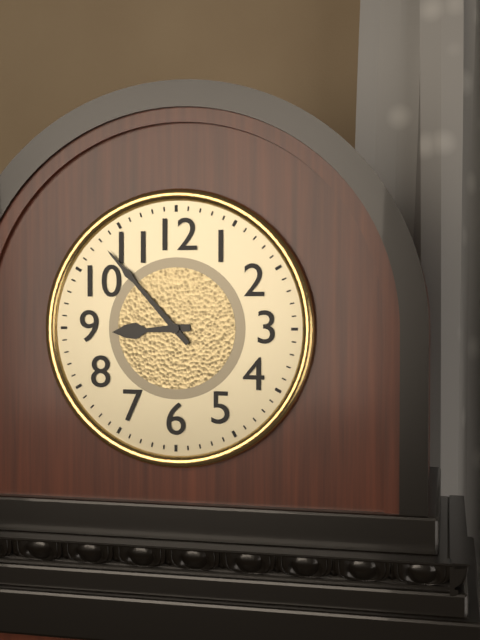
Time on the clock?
8:53
